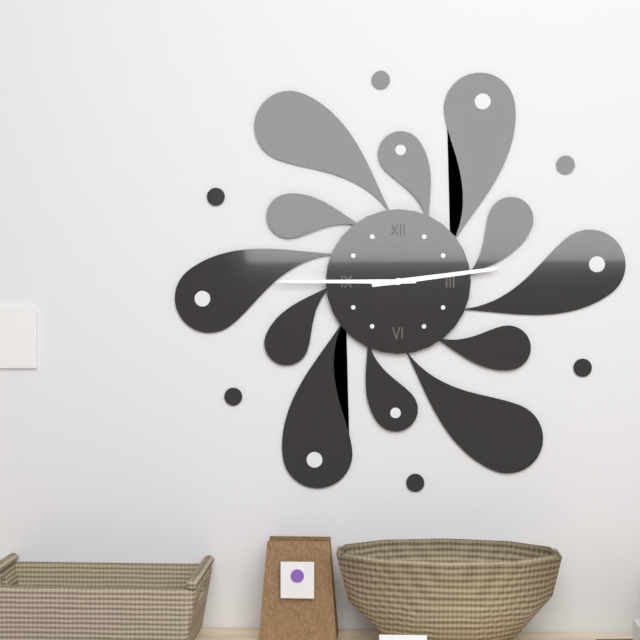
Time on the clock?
2:45
